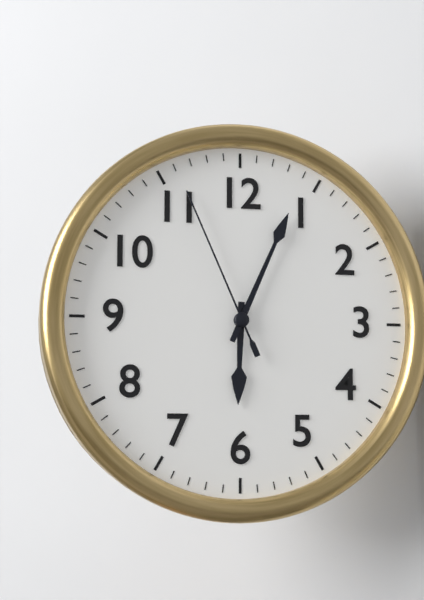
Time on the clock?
6:04:56
